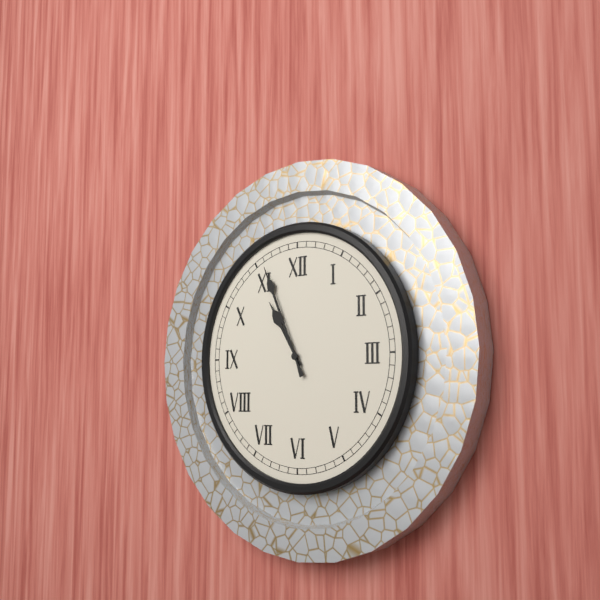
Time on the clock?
10:56
